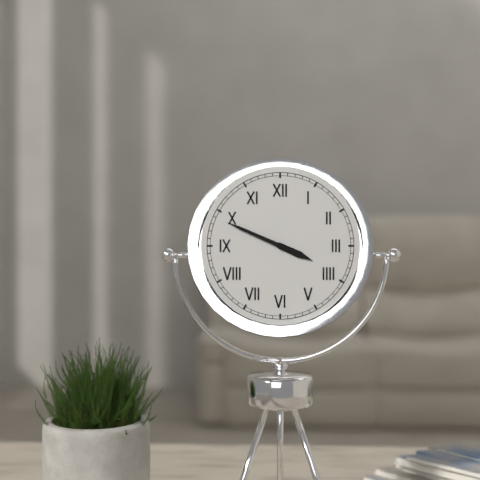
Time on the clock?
3:49
